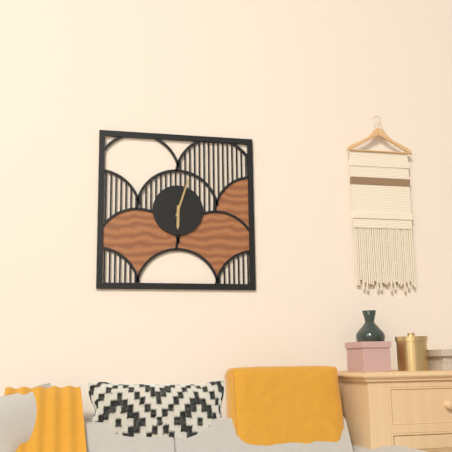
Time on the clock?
6:03
